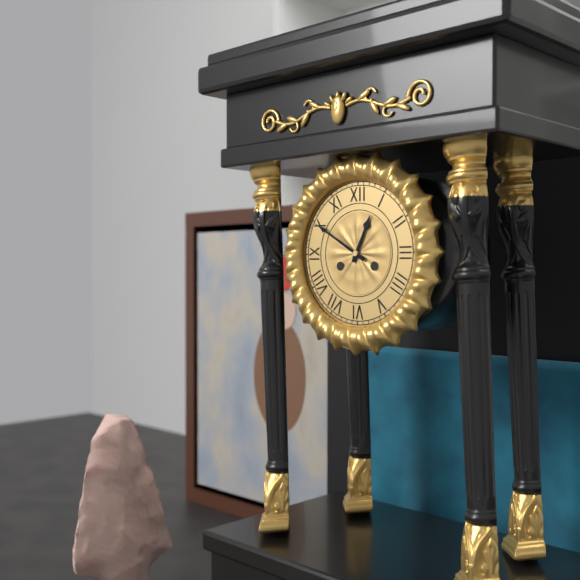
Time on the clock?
12:50
